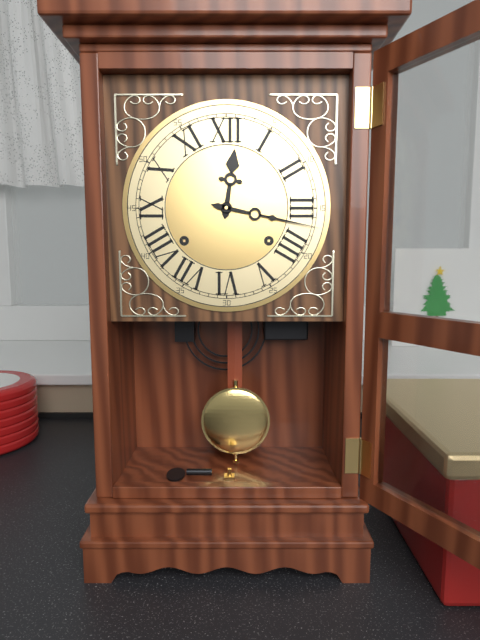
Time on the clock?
12:17
